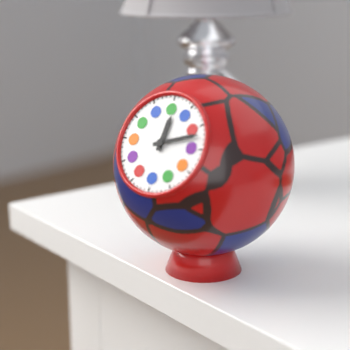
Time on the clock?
12:12
